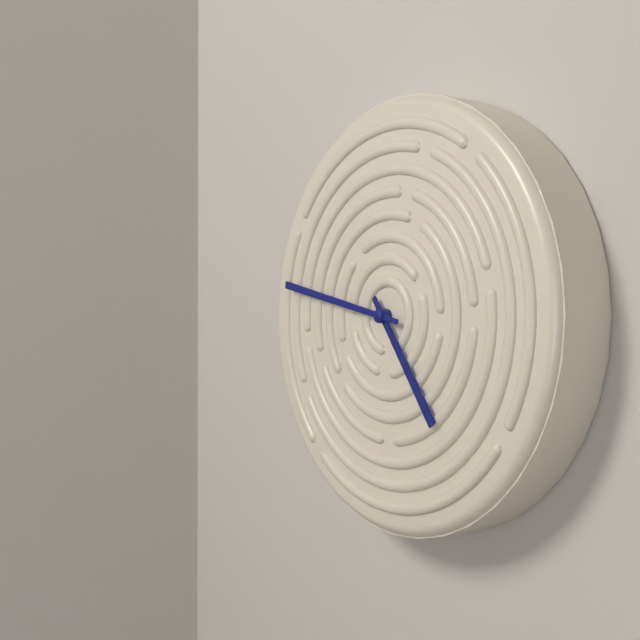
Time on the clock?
4:47
